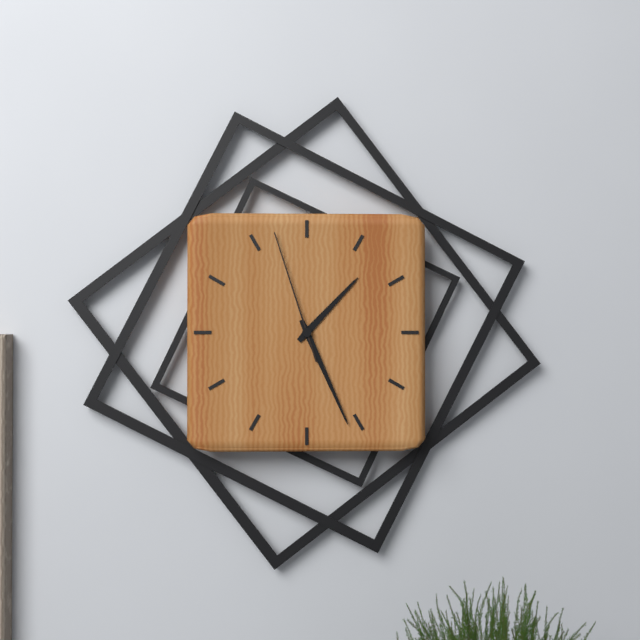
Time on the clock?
1:26:57
